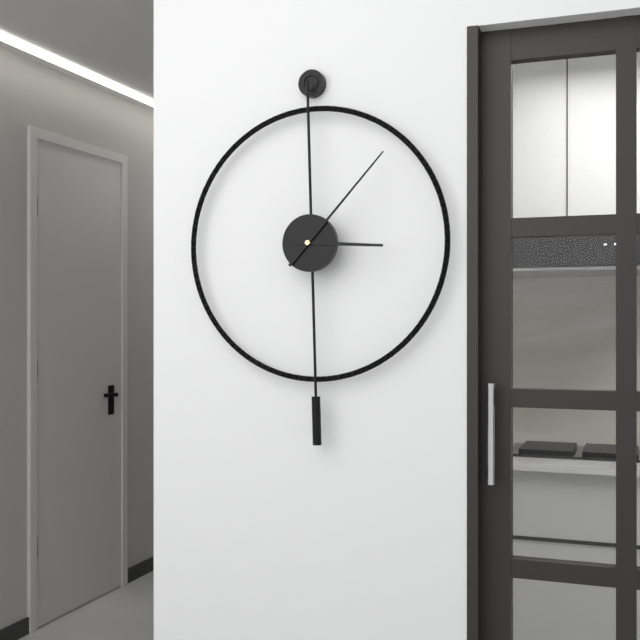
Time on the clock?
3:07
